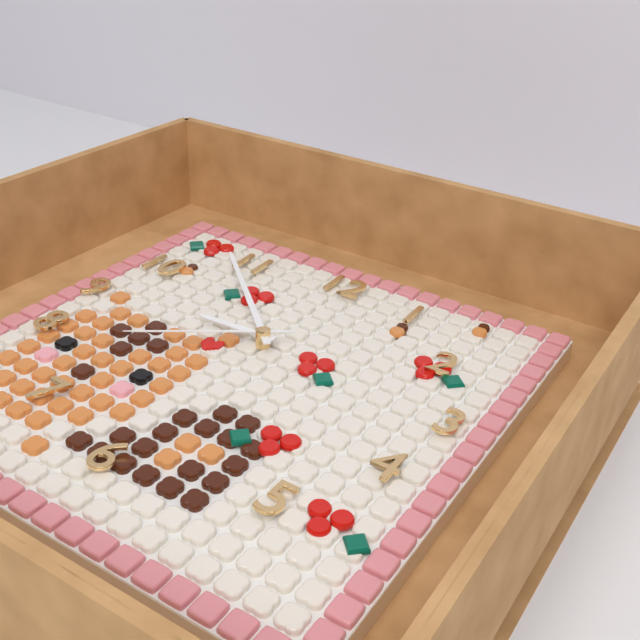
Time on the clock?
8:52:39
